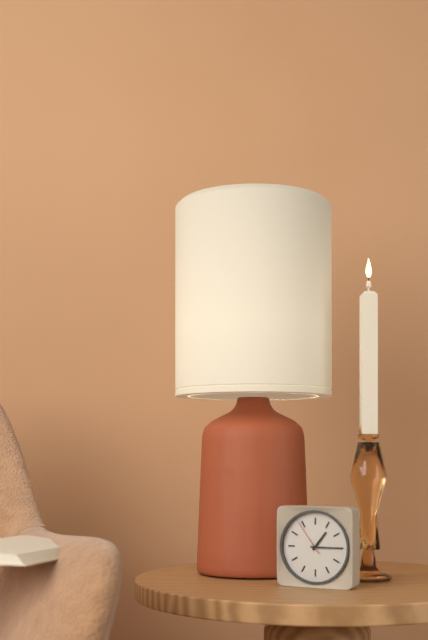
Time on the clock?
1:15
